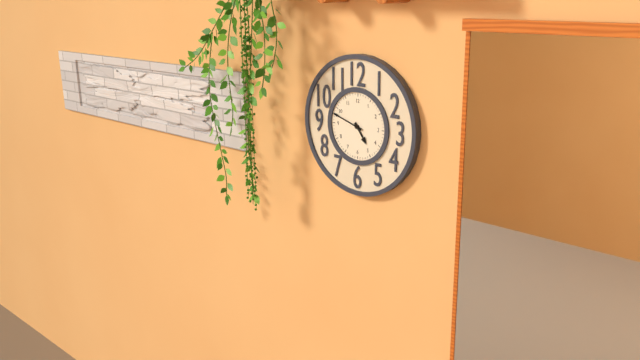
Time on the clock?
4:48
